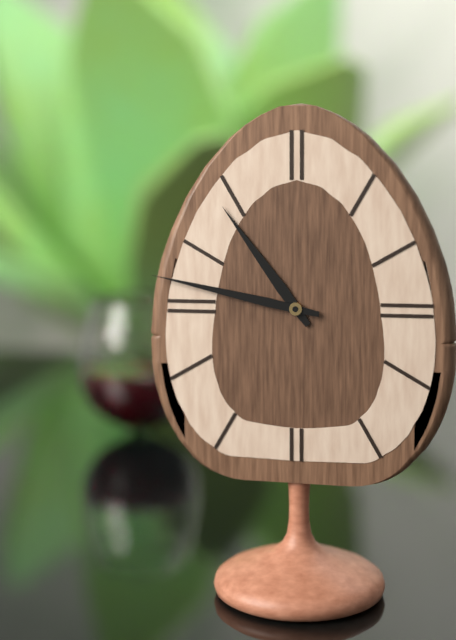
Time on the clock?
10:47
